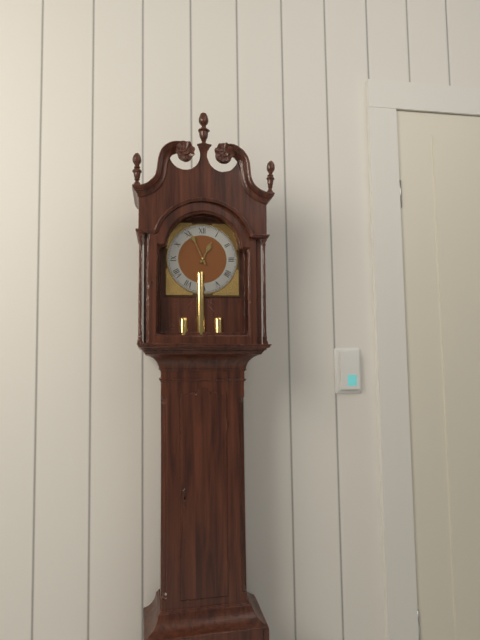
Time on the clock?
12:56
